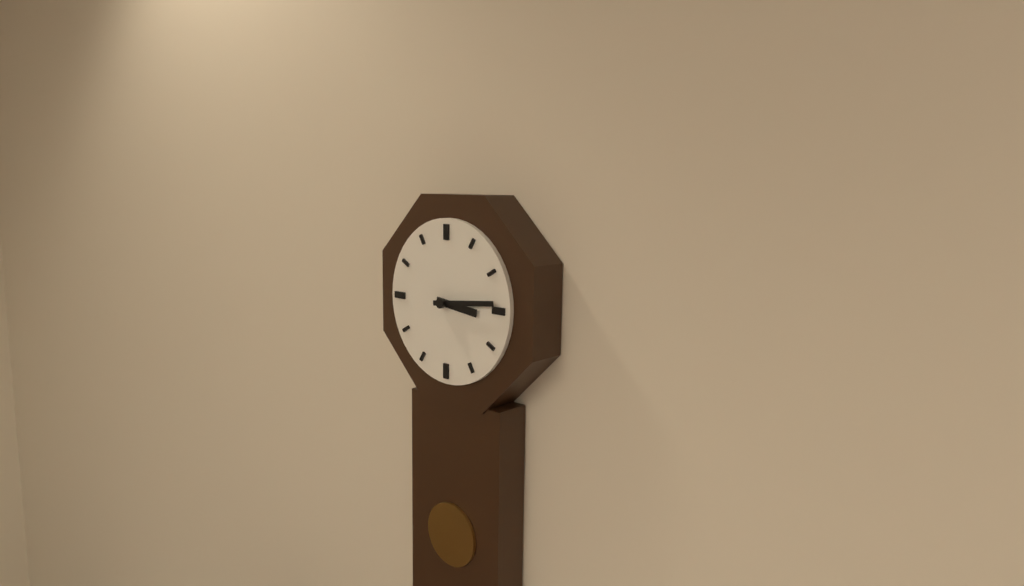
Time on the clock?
3:14
